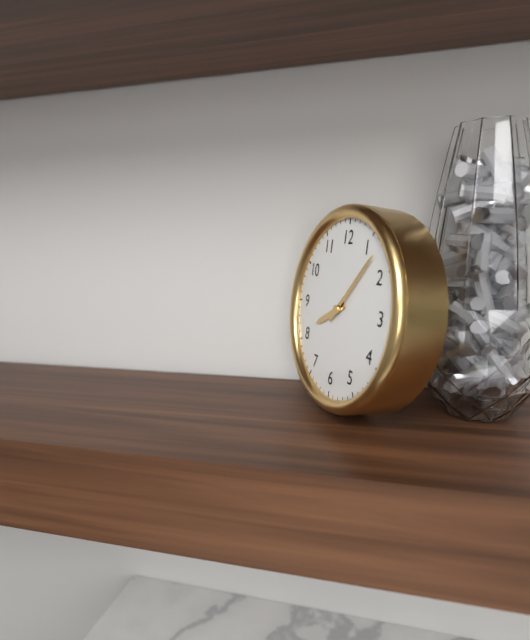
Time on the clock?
8:07
